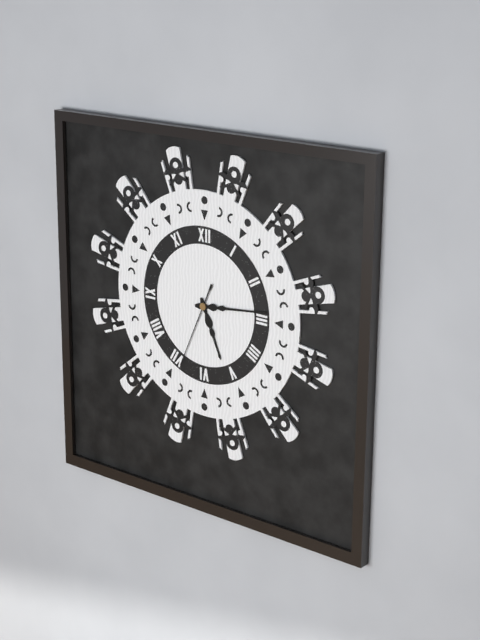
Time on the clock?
5:14:34
